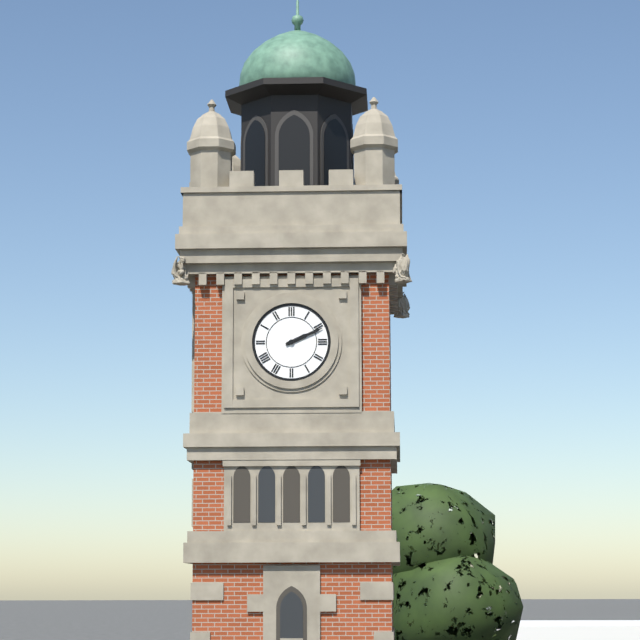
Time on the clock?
2:11
